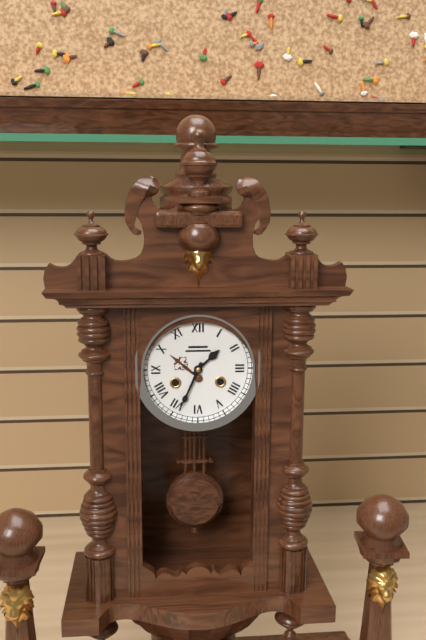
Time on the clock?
1:34
